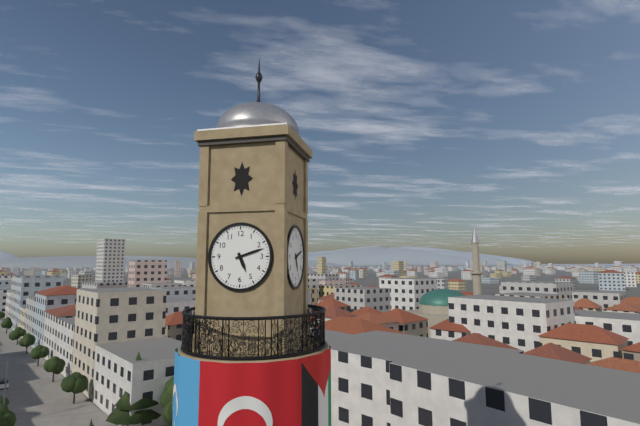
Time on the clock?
5:12
